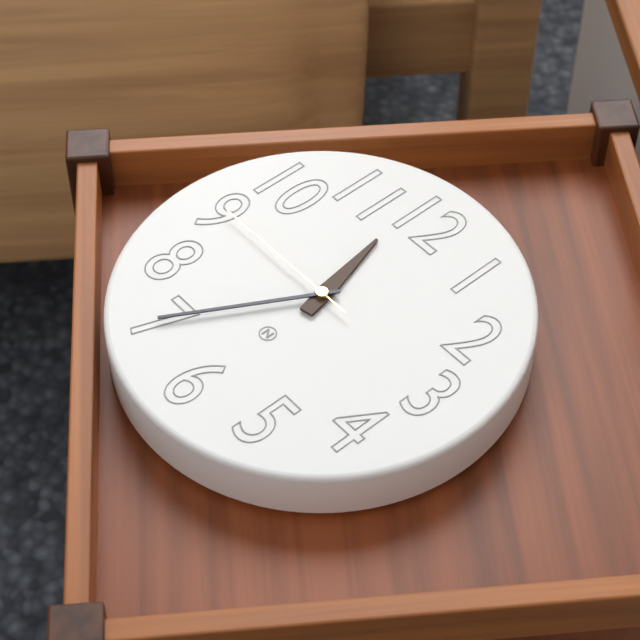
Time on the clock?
11:35:45
